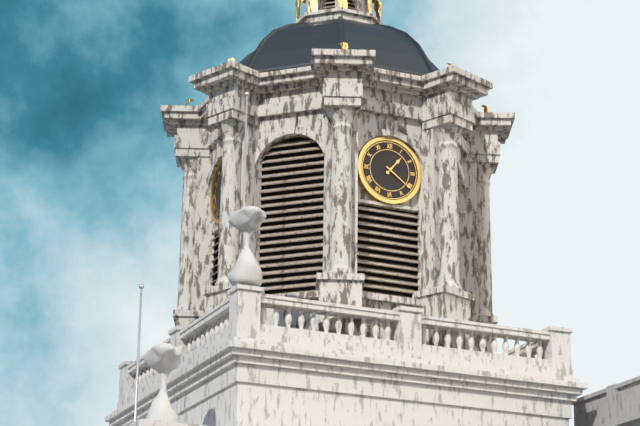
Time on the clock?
1:21
